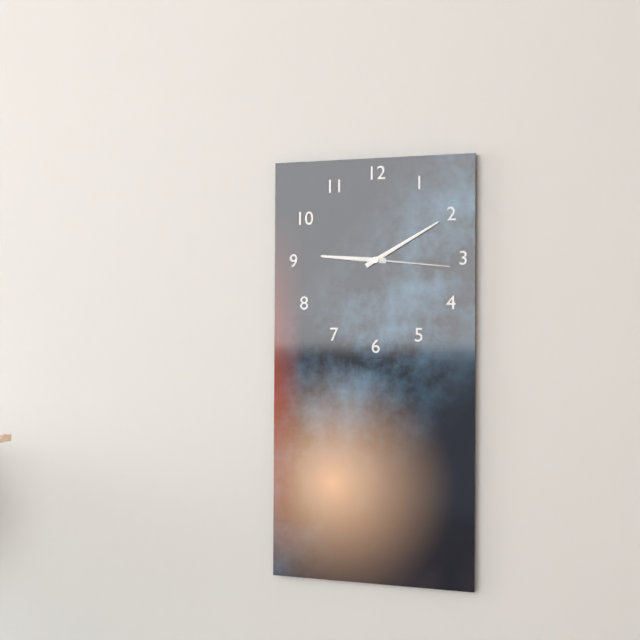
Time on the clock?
9:10:16
